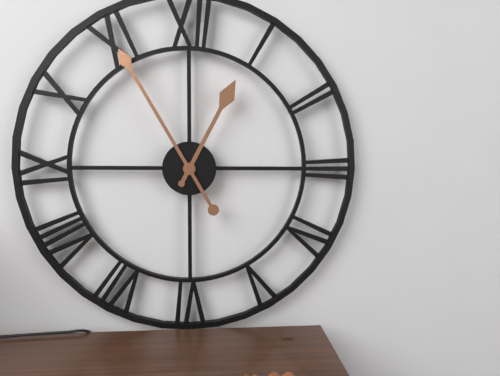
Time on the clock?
12:55
